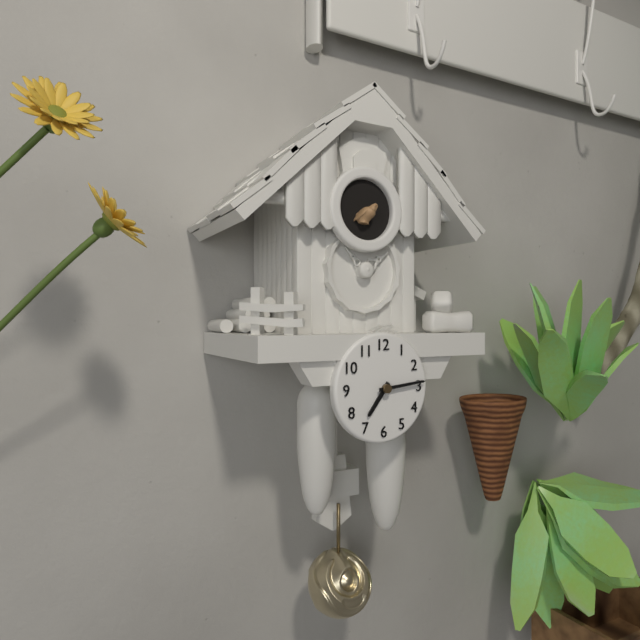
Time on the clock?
7:14
